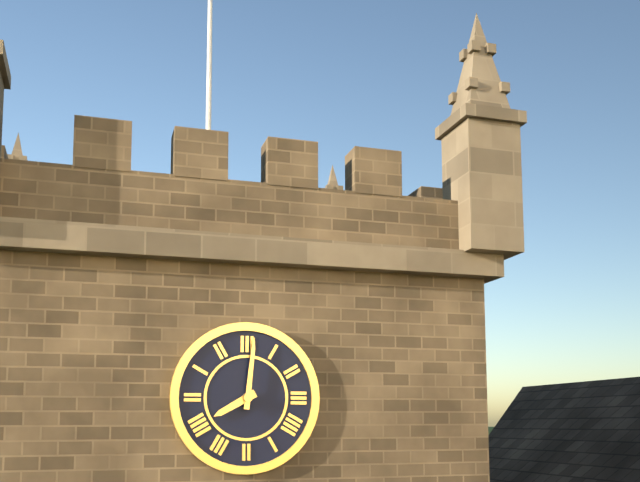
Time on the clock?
8:01
